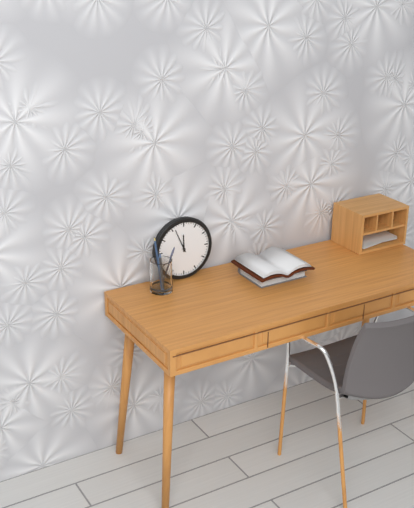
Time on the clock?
11:56
